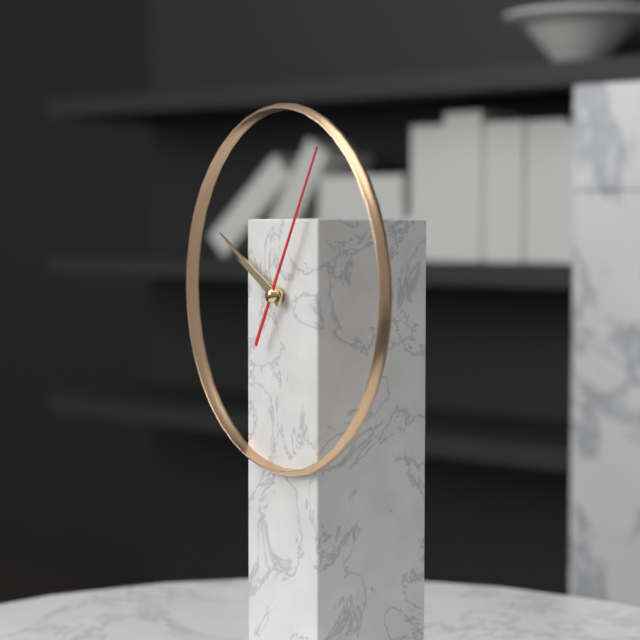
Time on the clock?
9:50:05
